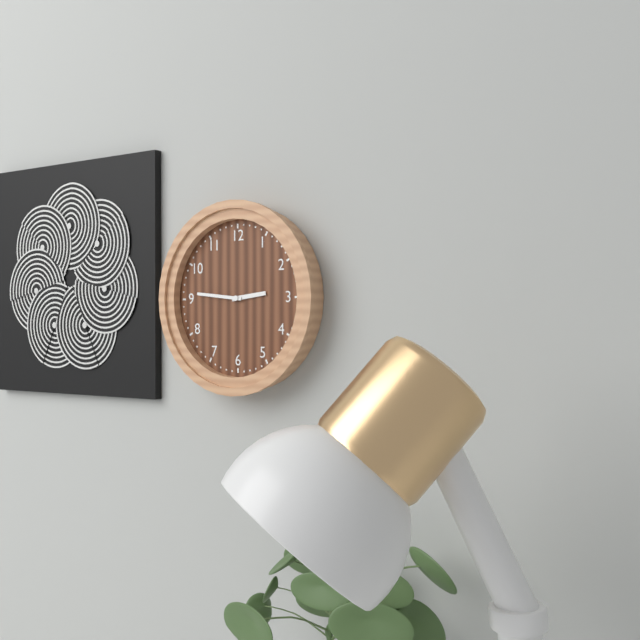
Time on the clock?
2:46
